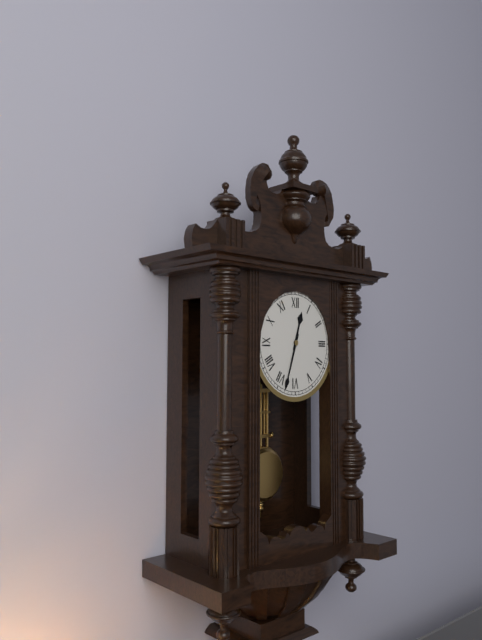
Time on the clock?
12:33
